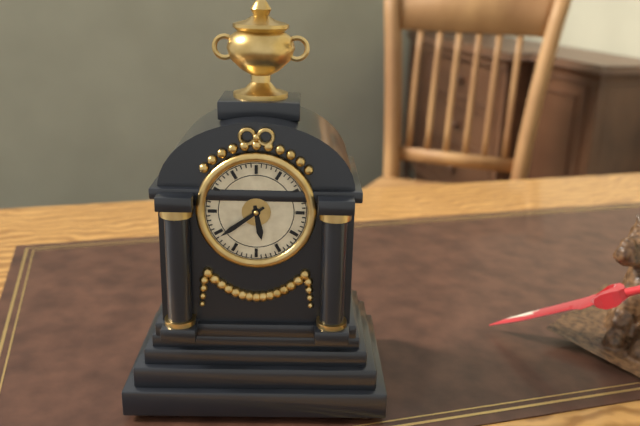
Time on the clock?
5:39
